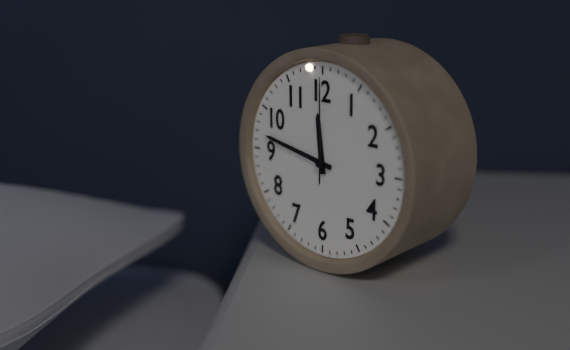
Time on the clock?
11:47:00
